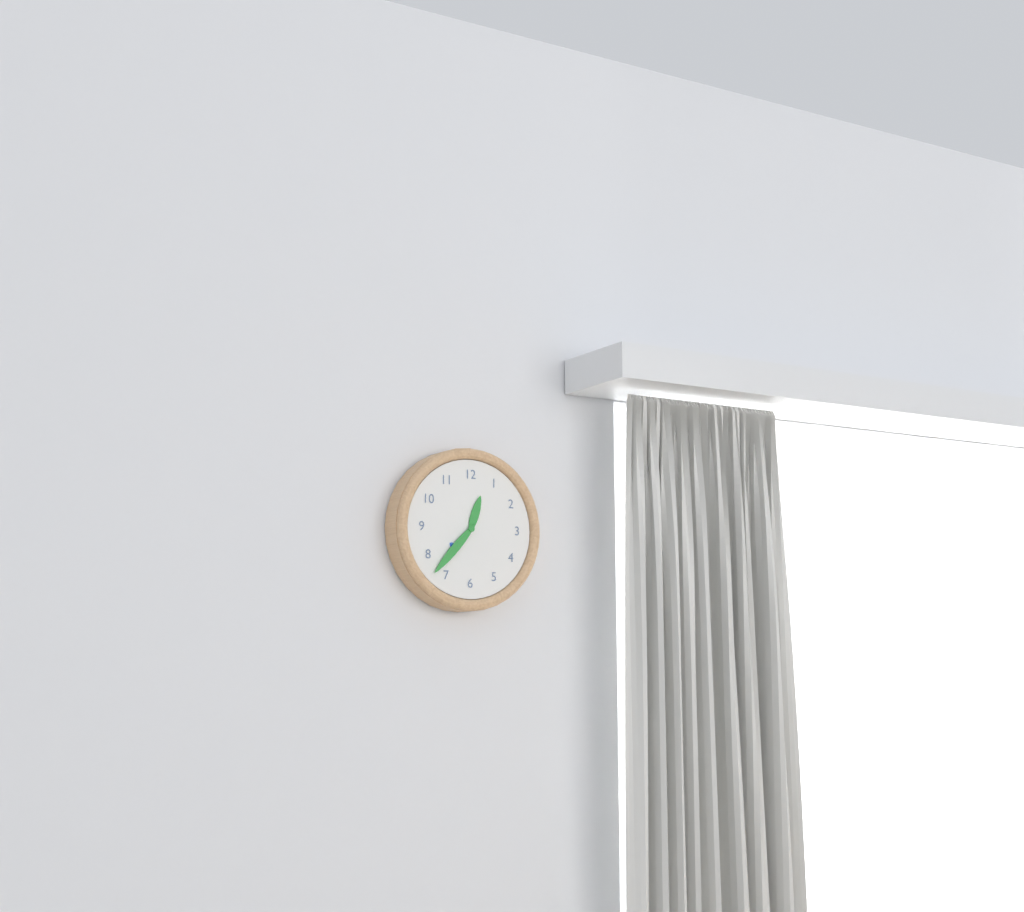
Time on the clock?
12:37
